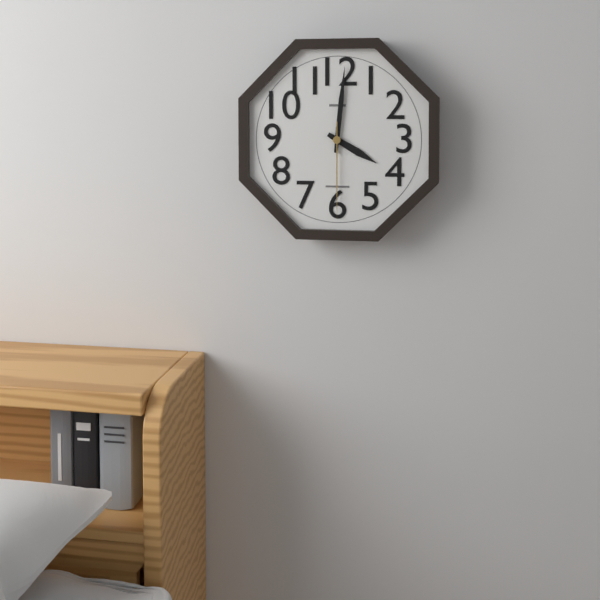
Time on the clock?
4:01:30
